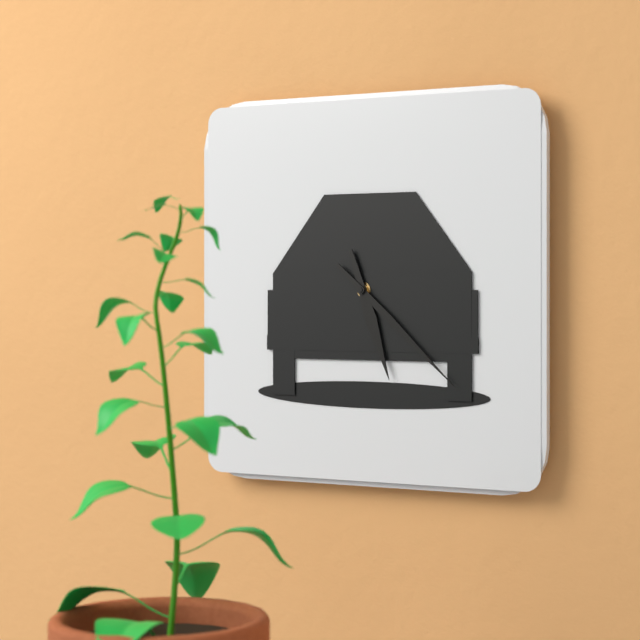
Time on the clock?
5:22
